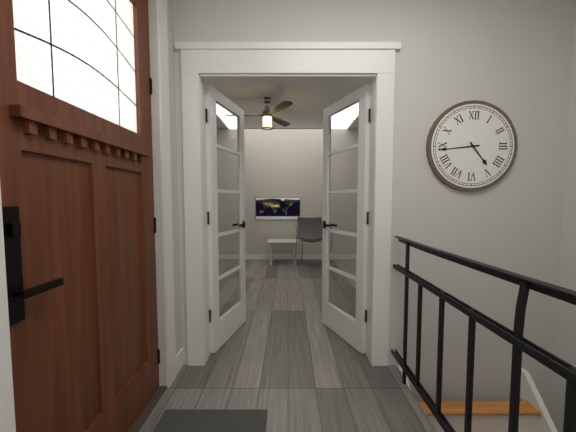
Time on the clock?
4:44
